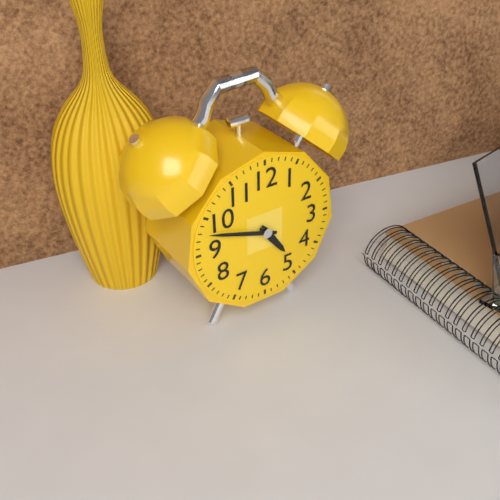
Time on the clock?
4:48
